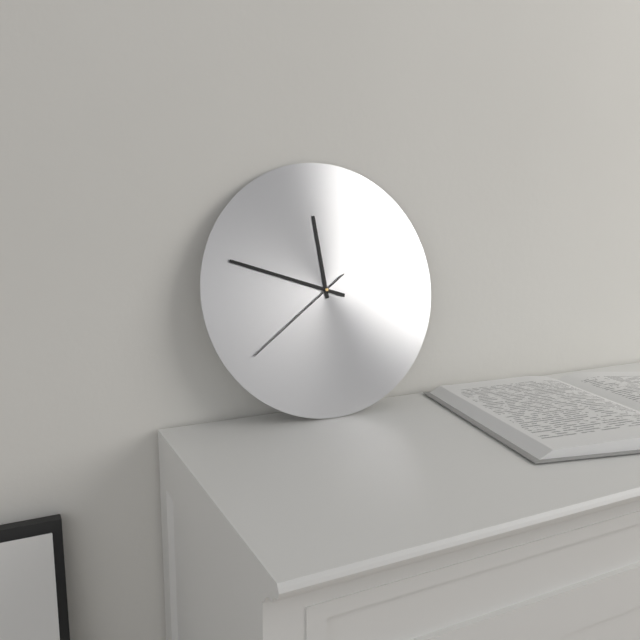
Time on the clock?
11:48:39
